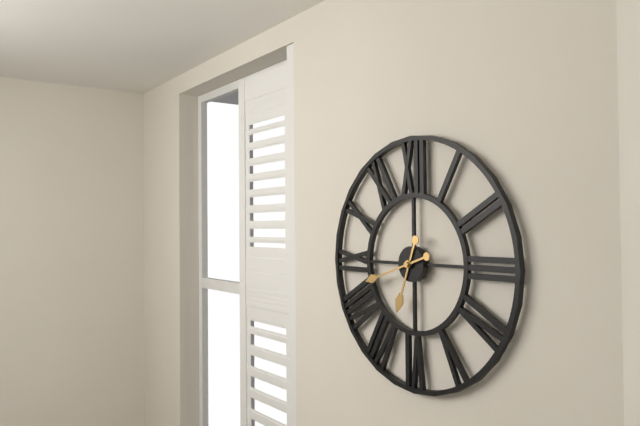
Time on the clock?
6:42
